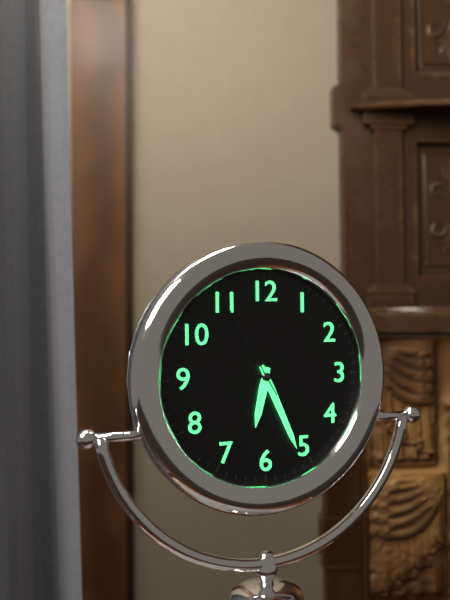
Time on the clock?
6:26:55
